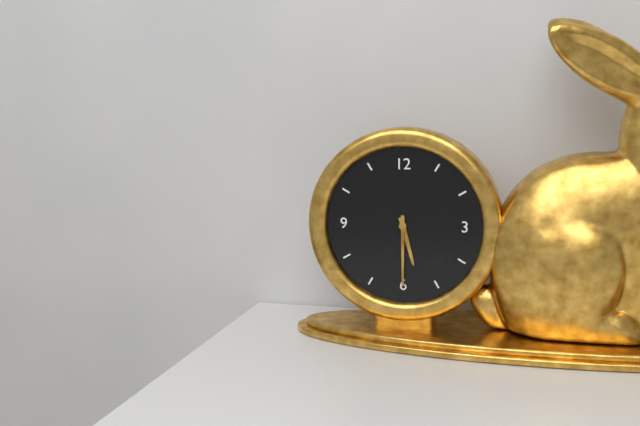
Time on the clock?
5:30
